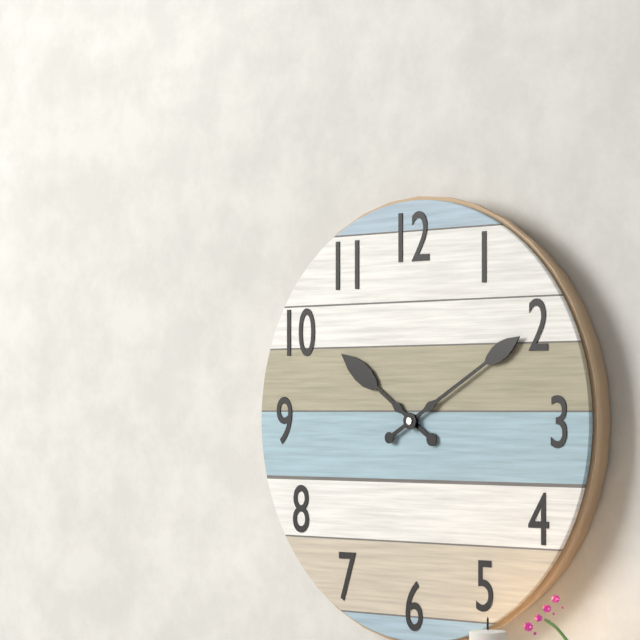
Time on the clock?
10:10
